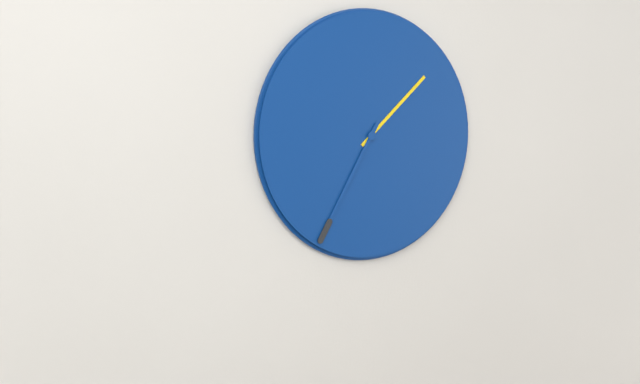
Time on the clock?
1:35
